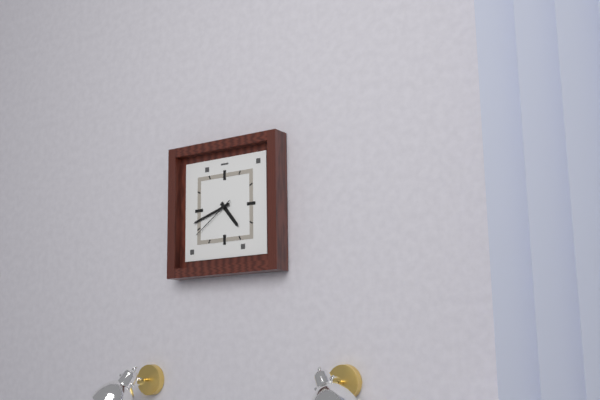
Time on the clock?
4:42
